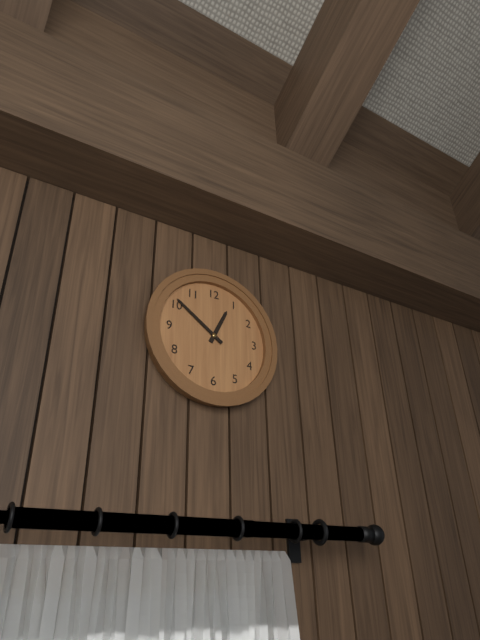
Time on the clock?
12:51
